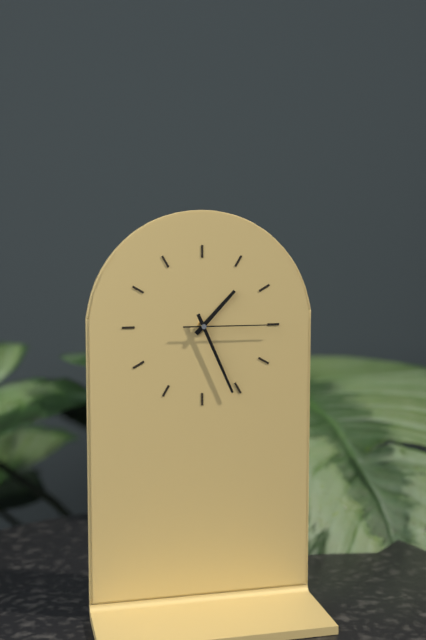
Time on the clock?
1:26:15
